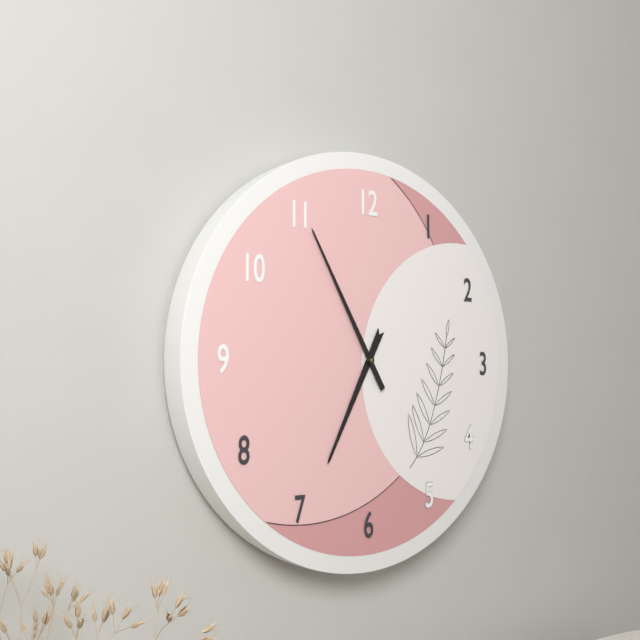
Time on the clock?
6:55
